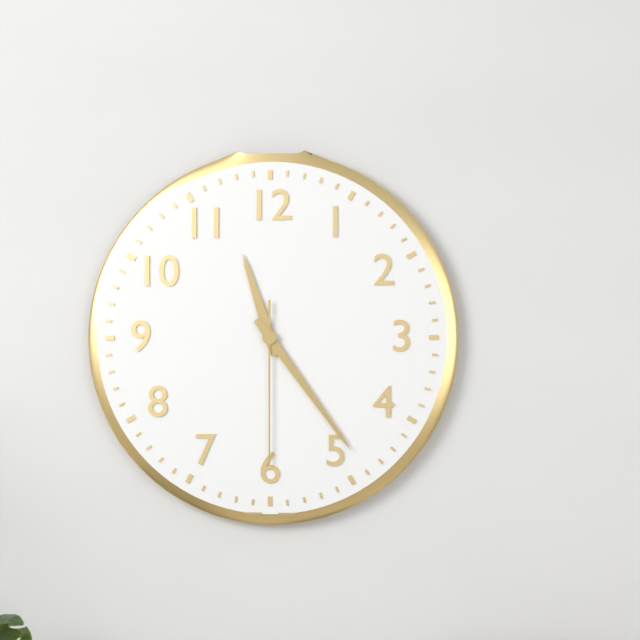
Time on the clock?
11:24:30
